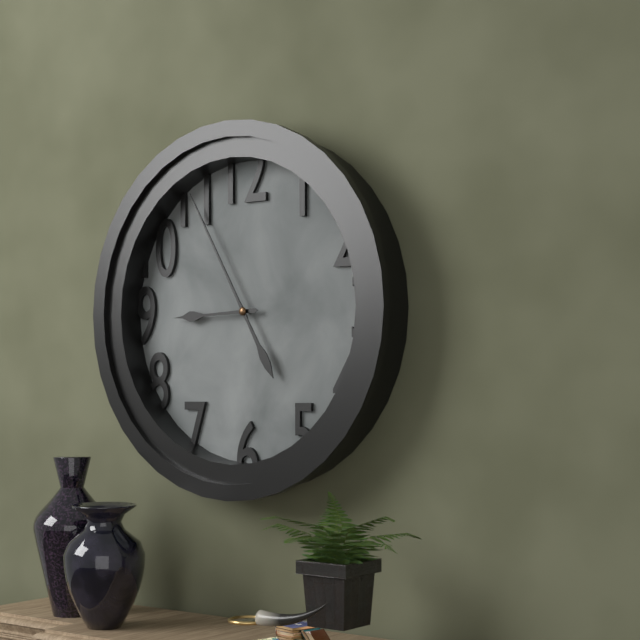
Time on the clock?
8:55
